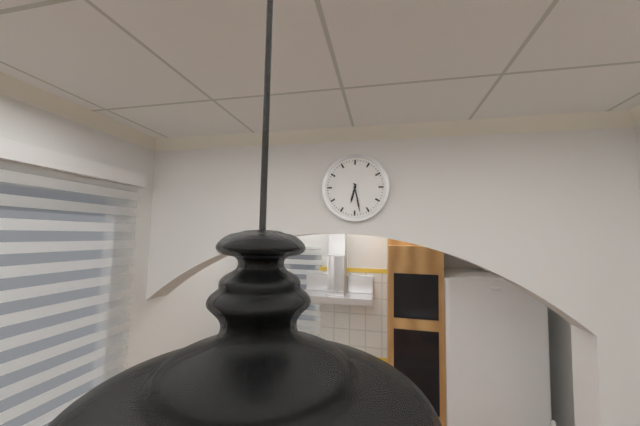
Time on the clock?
6:28
